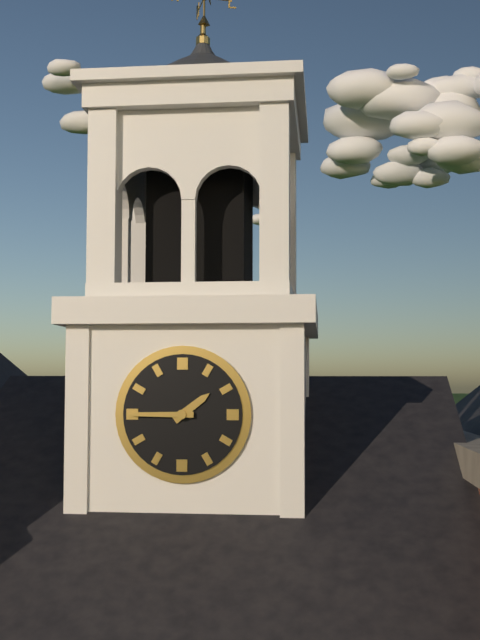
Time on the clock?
1:45
